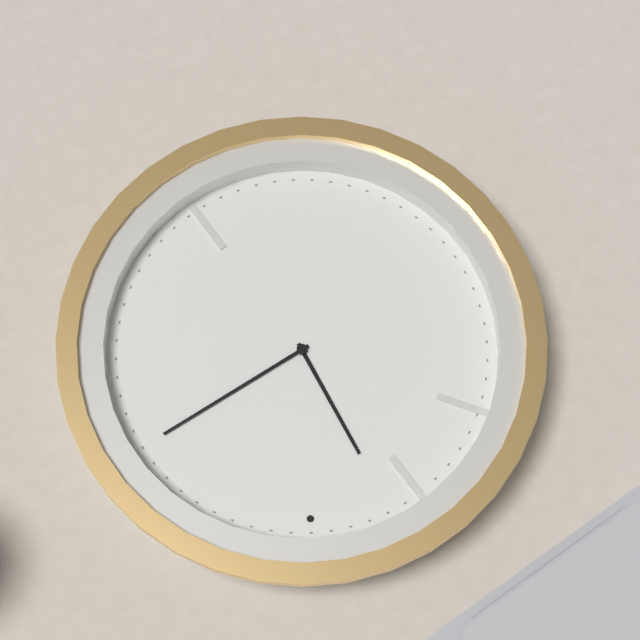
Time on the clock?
11:10
